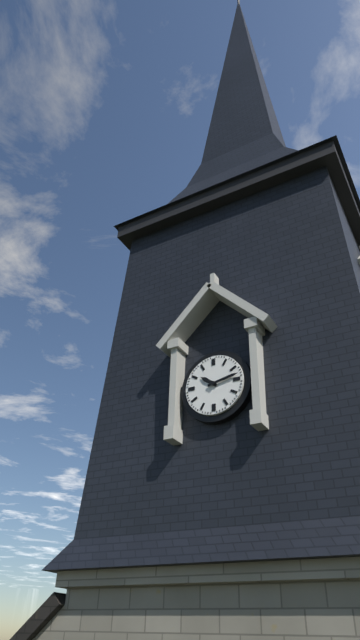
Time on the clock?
10:13
